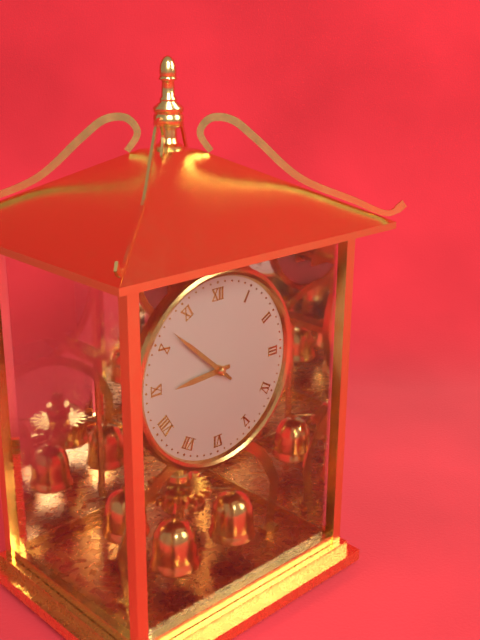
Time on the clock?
8:52
